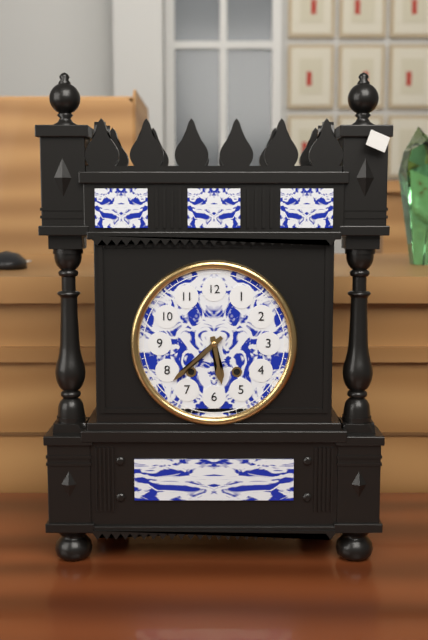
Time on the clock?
5:38
